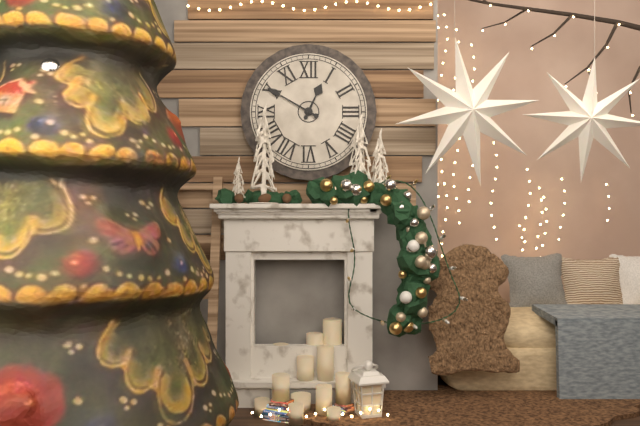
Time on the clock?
12:50
